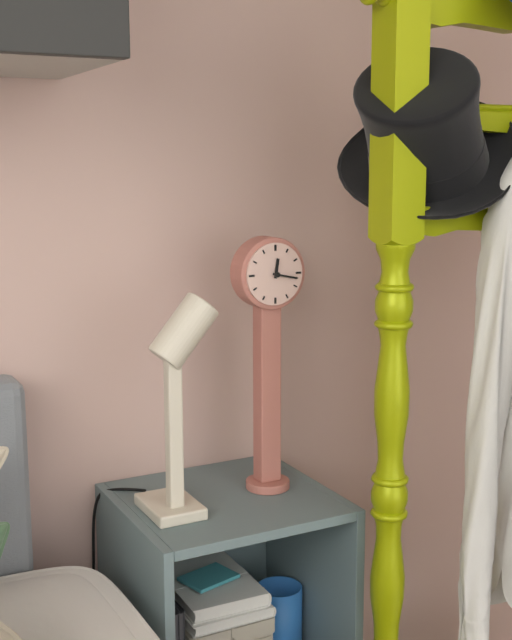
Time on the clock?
12:17
